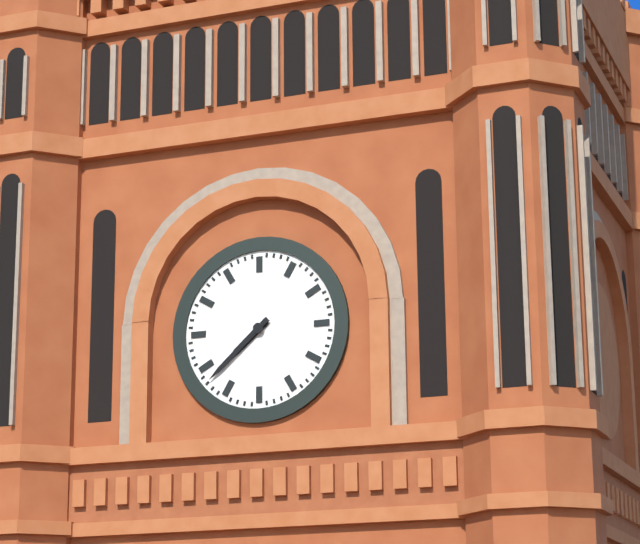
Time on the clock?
7:38
